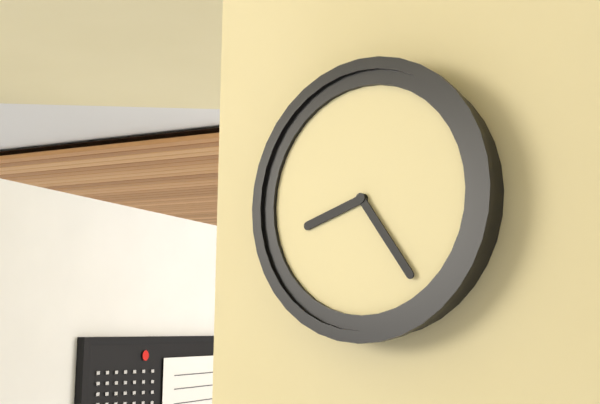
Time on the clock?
8:24
